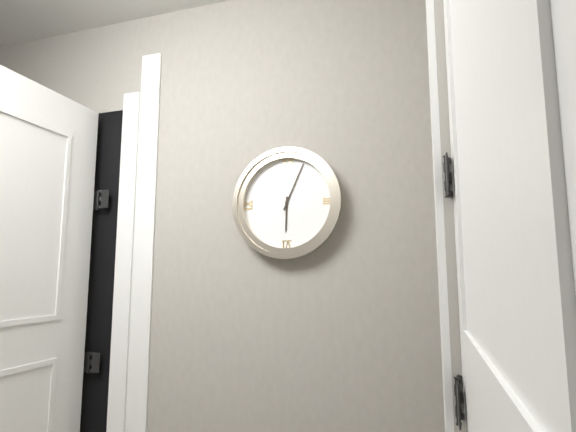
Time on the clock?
6:04
